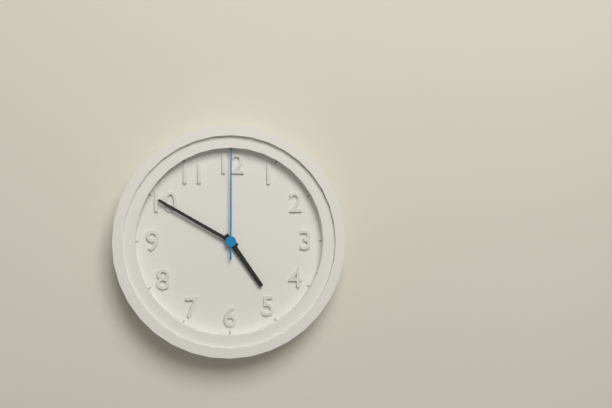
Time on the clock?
4:50:00
